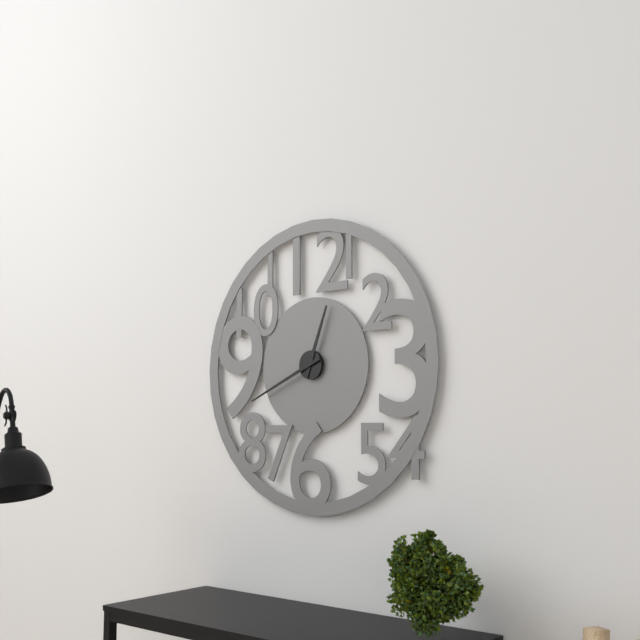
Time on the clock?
12:41
